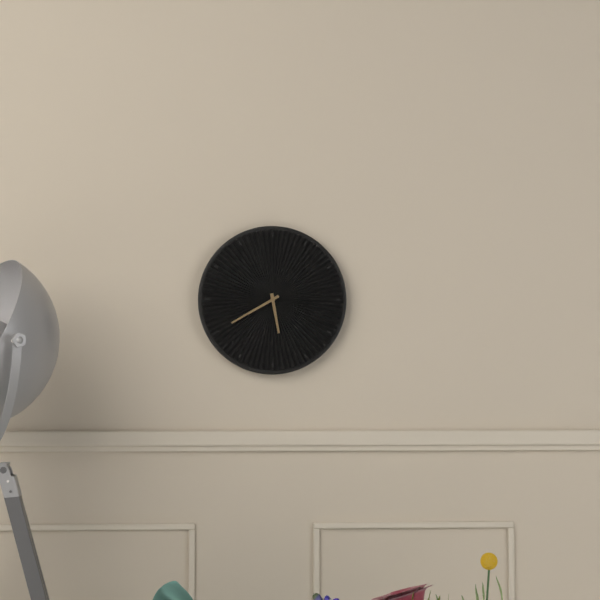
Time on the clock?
5:40
